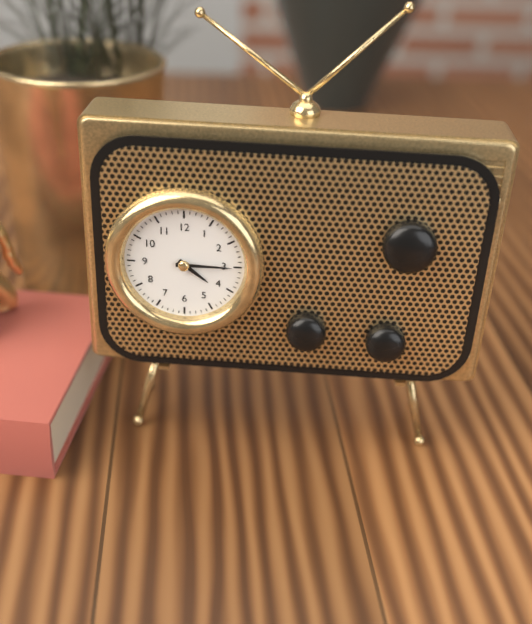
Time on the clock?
4:15
